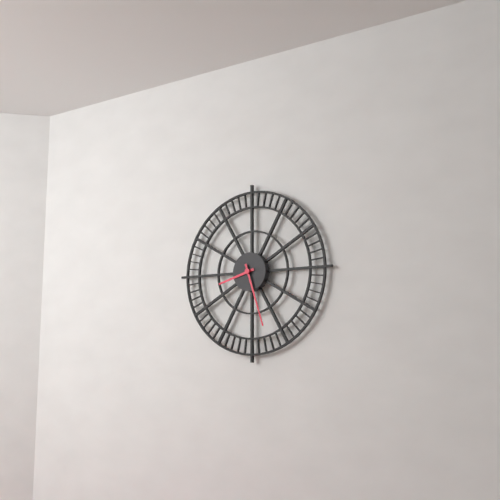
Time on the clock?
8:27
